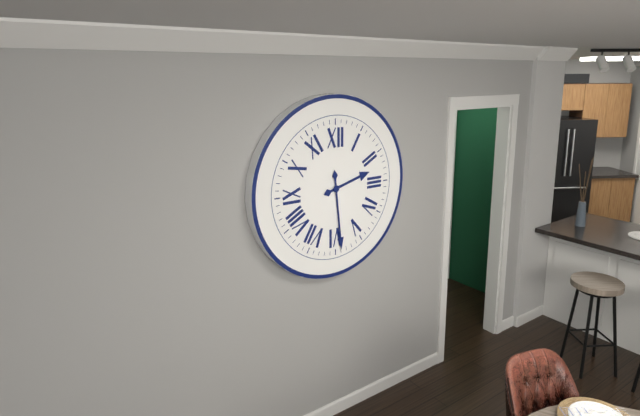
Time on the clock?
2:29
